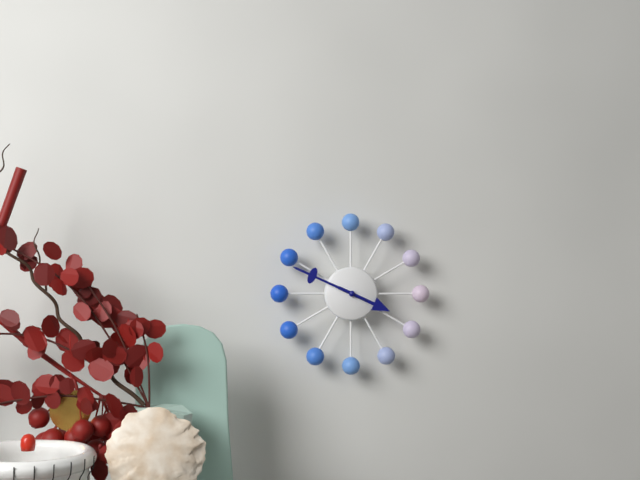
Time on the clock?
3:49
